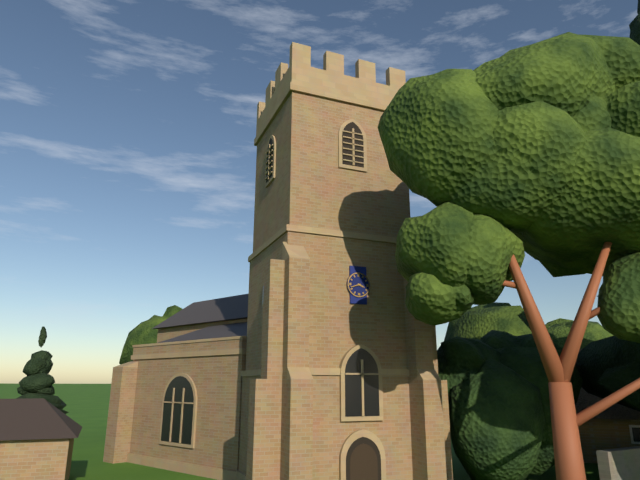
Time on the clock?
3:42
